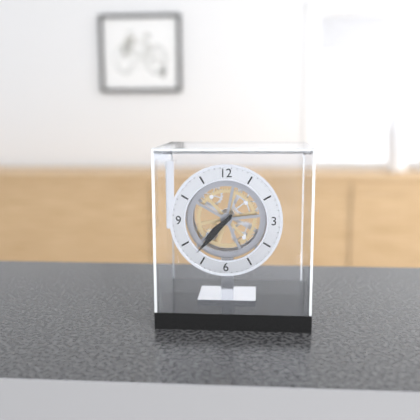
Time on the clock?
7:37
